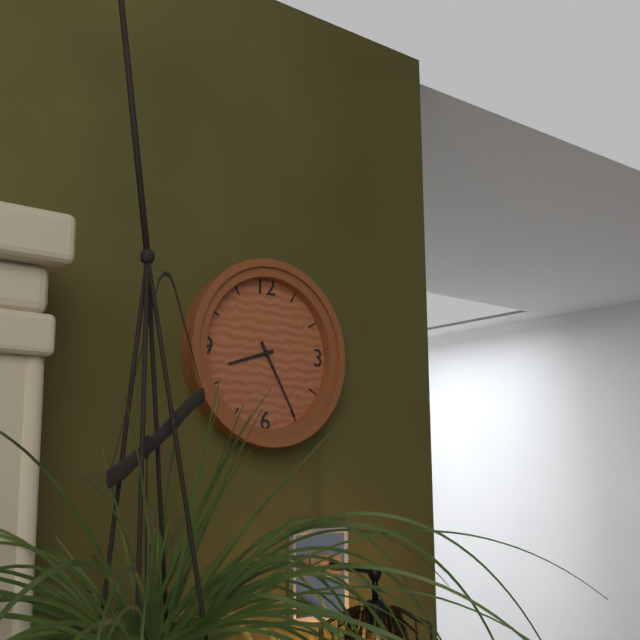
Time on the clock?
8:25
